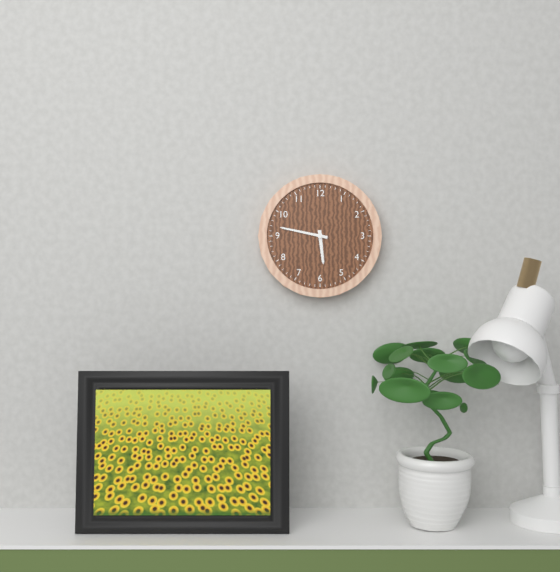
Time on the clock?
5:47
